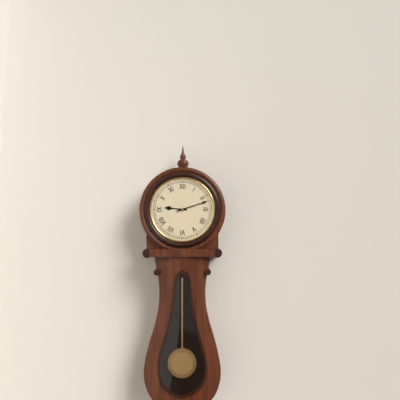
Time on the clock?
9:12
